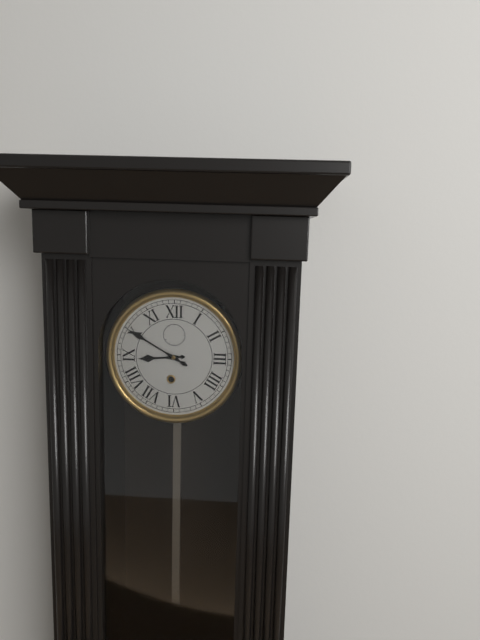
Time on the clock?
8:50
